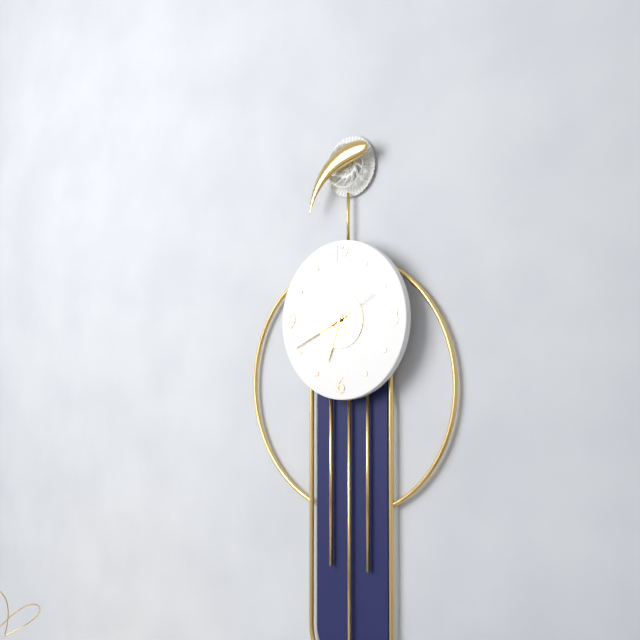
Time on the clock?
6:41:10
